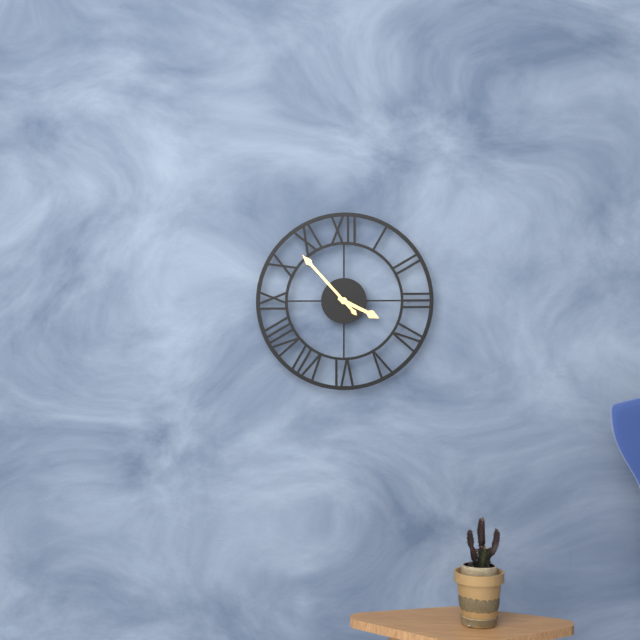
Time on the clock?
3:53
